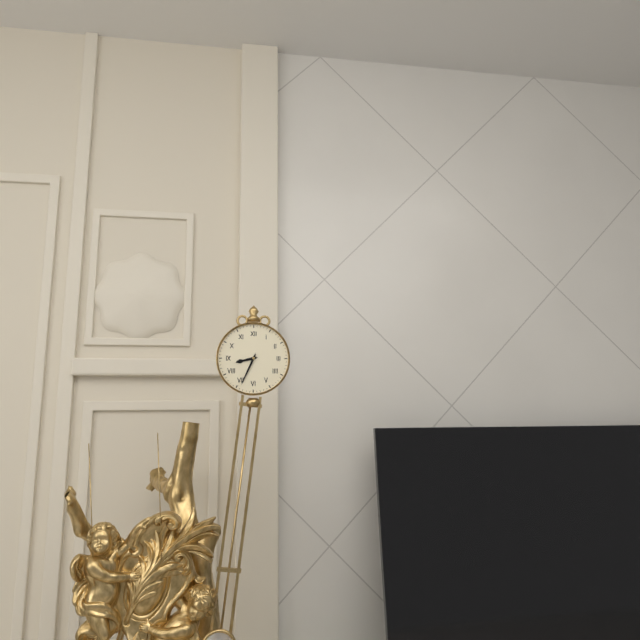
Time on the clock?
8:34
